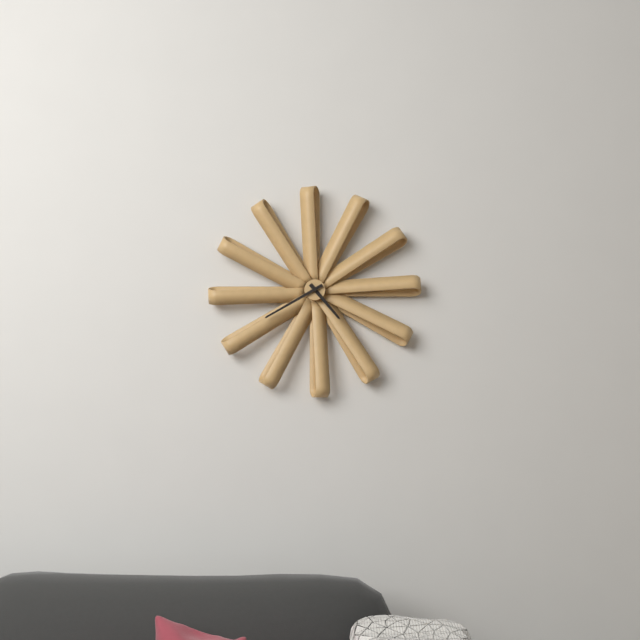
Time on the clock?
4:40
